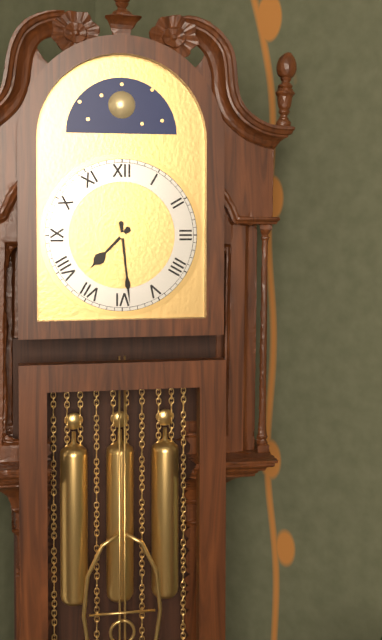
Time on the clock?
7:29
